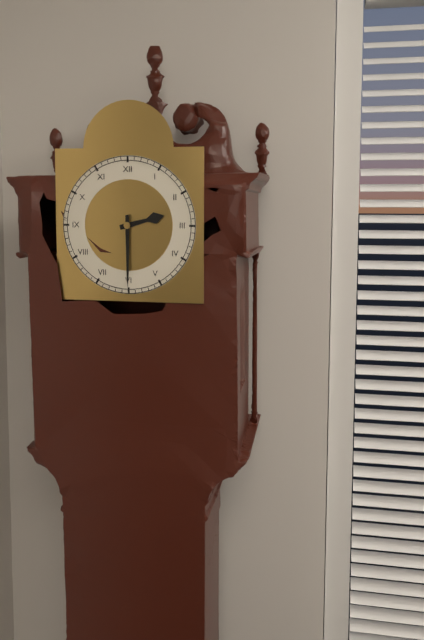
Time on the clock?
2:30
